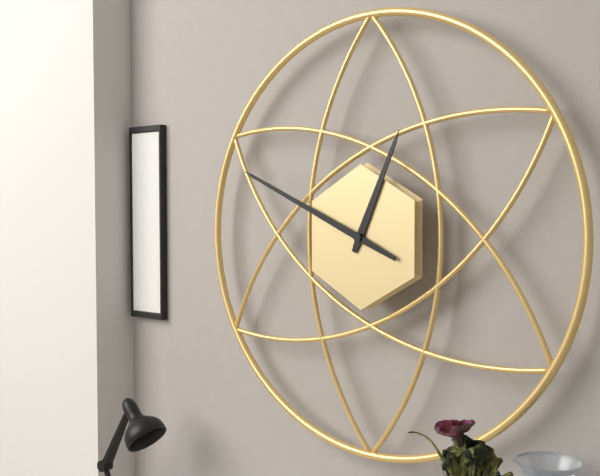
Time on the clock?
12:49
